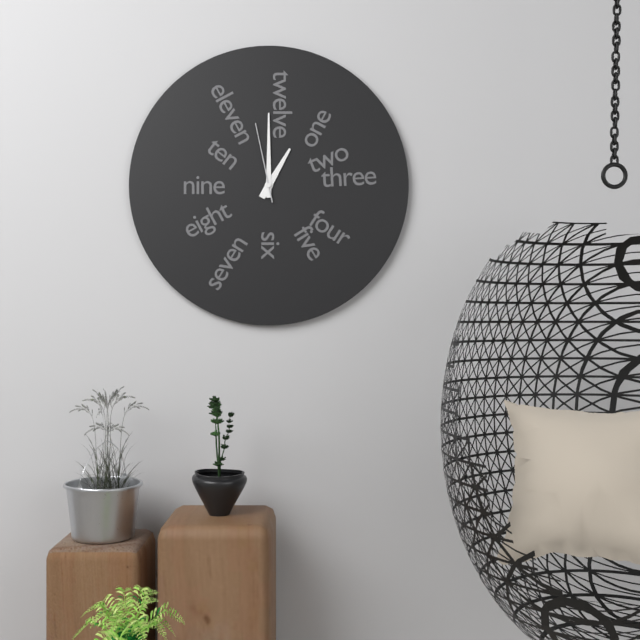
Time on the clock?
1:00:58
